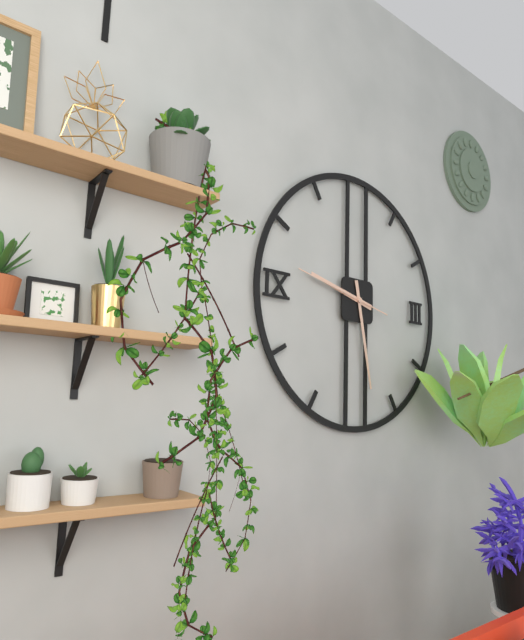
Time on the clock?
9:28:47
